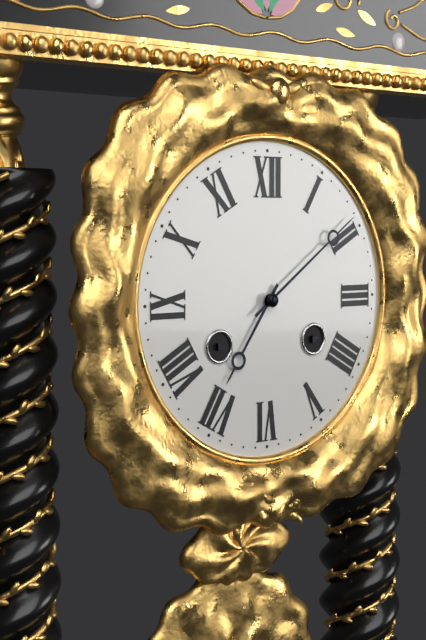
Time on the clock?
7:09
